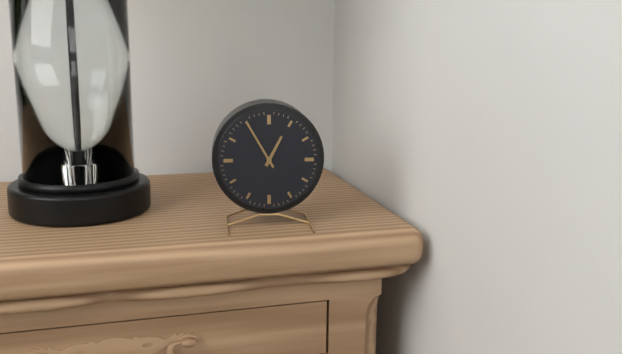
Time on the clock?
12:55
